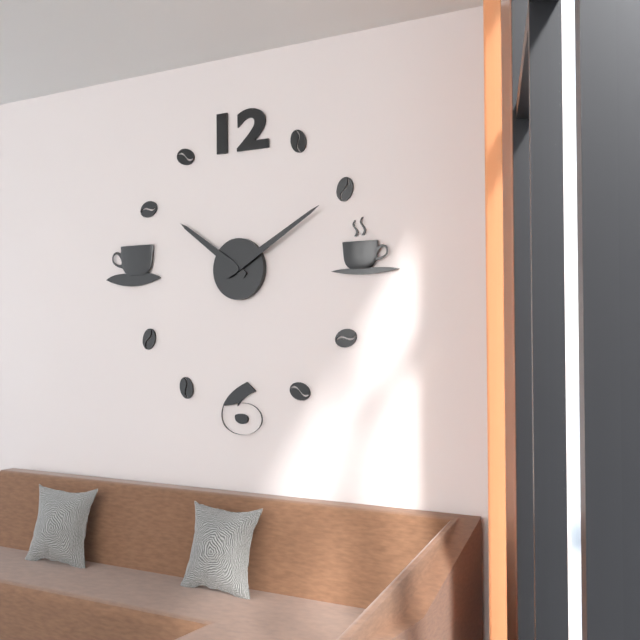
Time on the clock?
10:10
